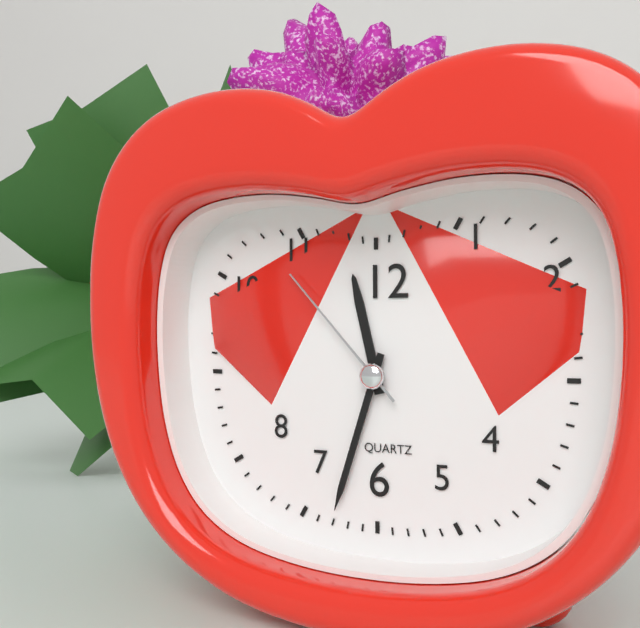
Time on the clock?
11:33:53
